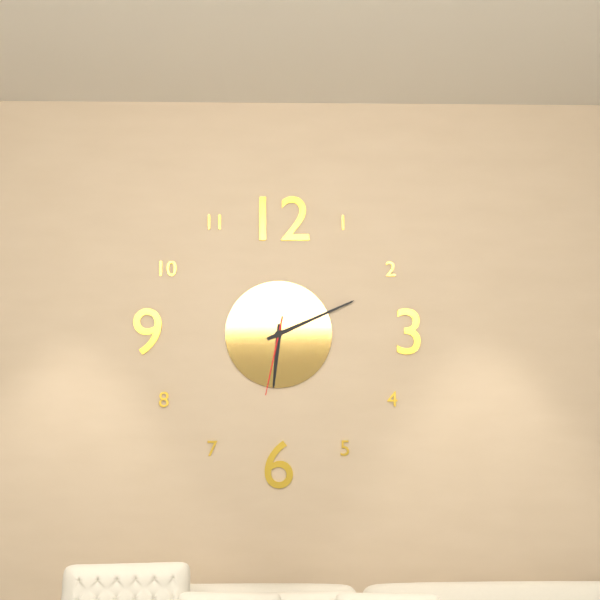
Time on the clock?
6:11:32
